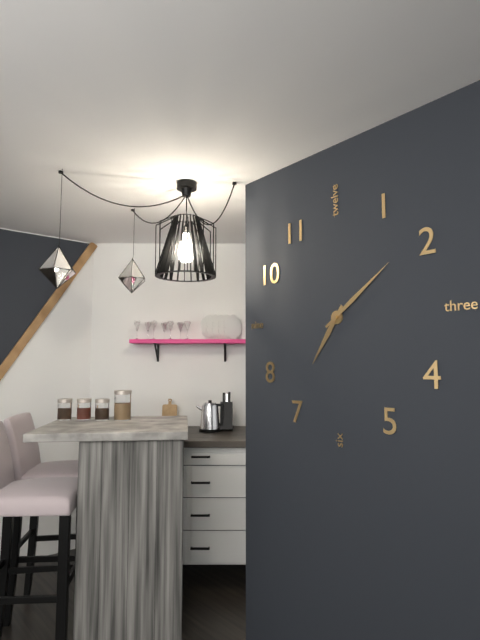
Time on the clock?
7:09
